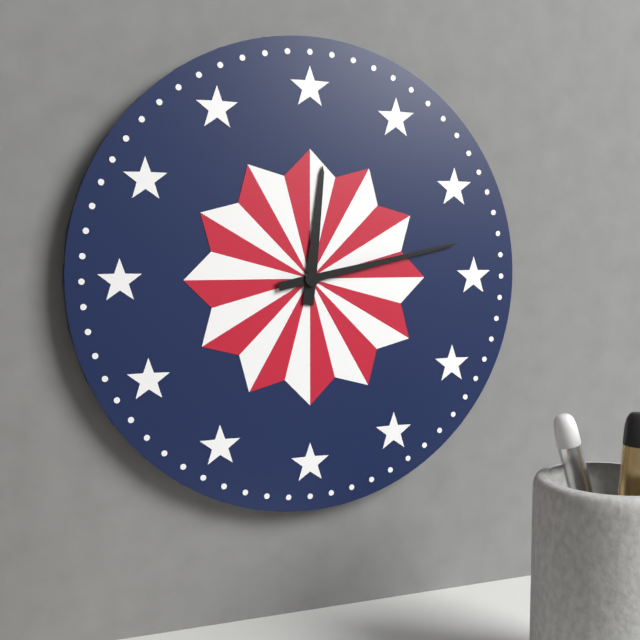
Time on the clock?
12:13
